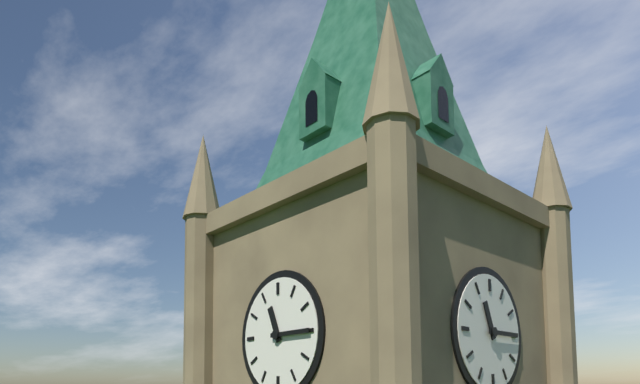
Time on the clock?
11:15
